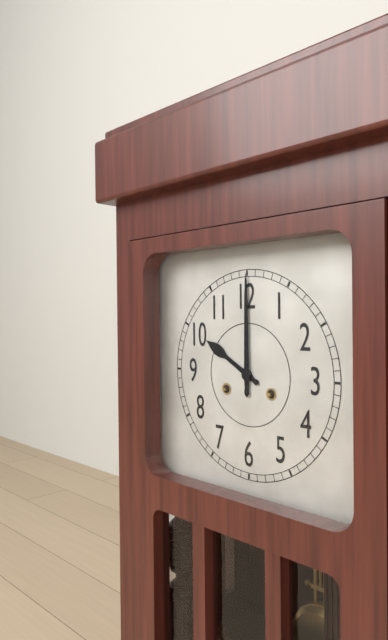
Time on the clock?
10:00
